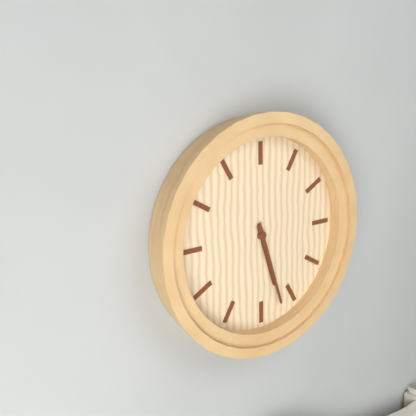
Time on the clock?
5:27
